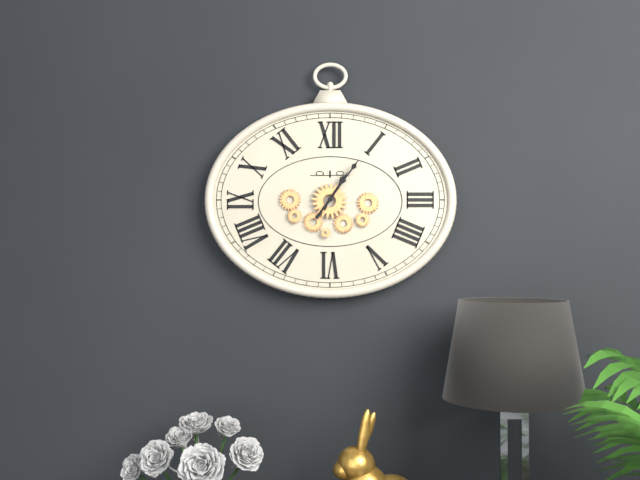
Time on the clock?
1:06
